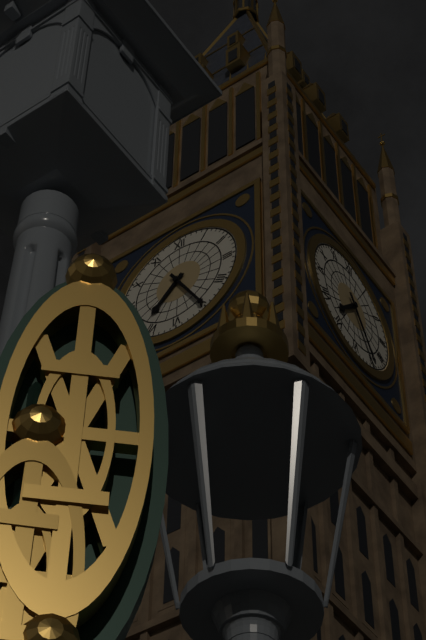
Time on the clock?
7:25
